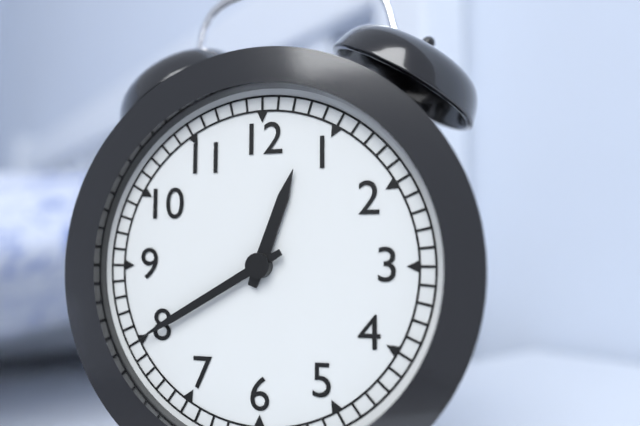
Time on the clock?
12:40
